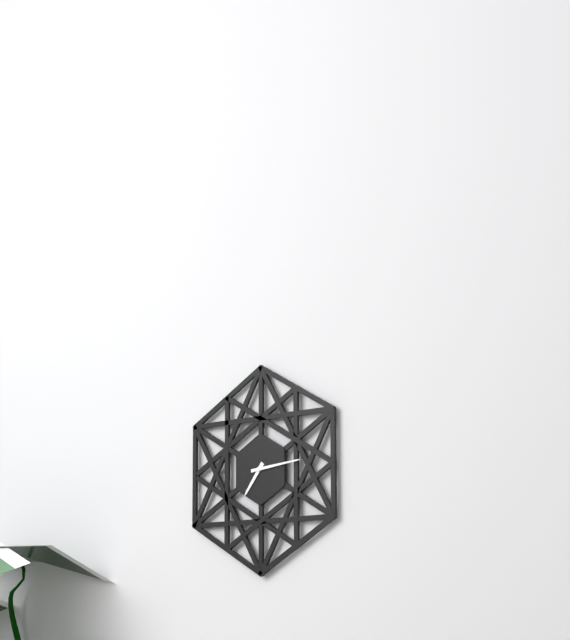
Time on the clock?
7:14
